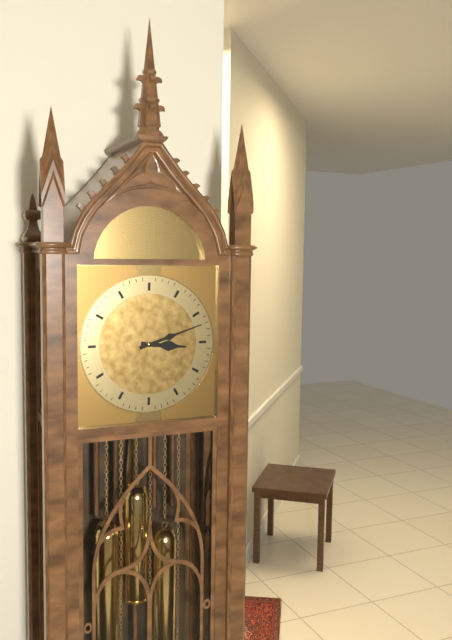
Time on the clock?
3:12
